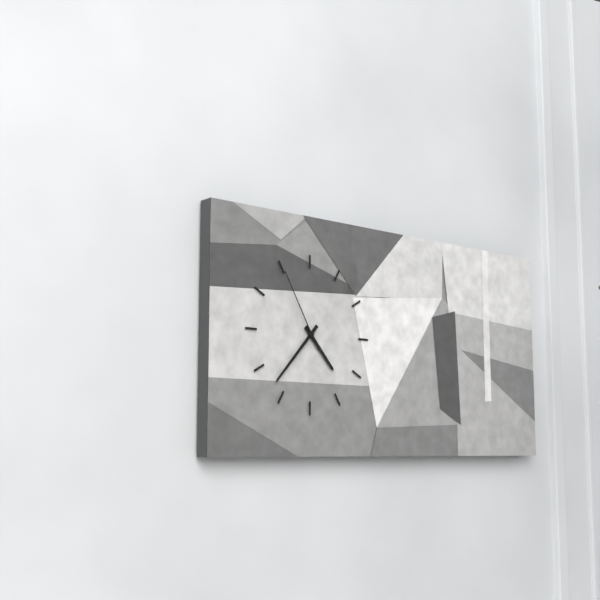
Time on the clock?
4:37:55
